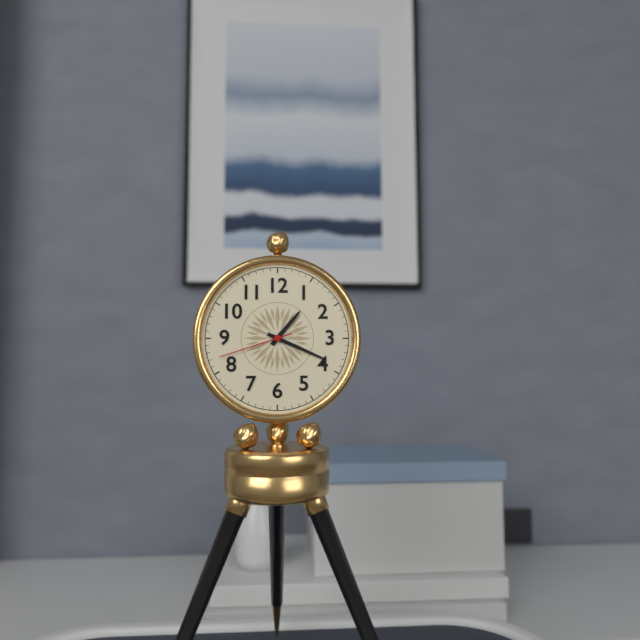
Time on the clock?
1:19:42
